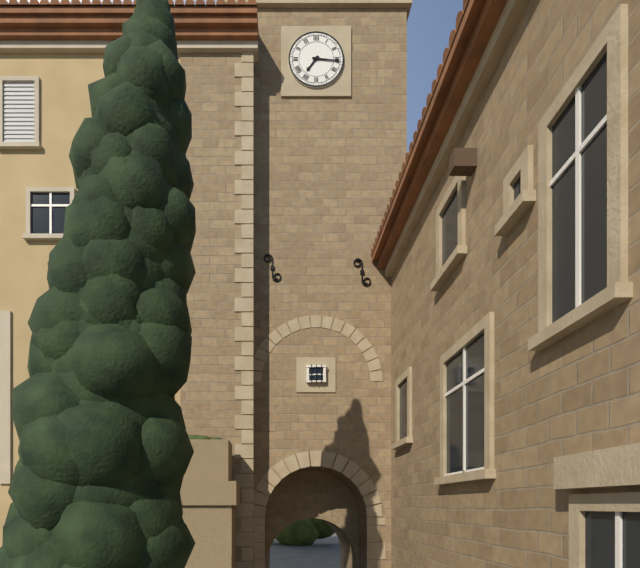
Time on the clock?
7:16
